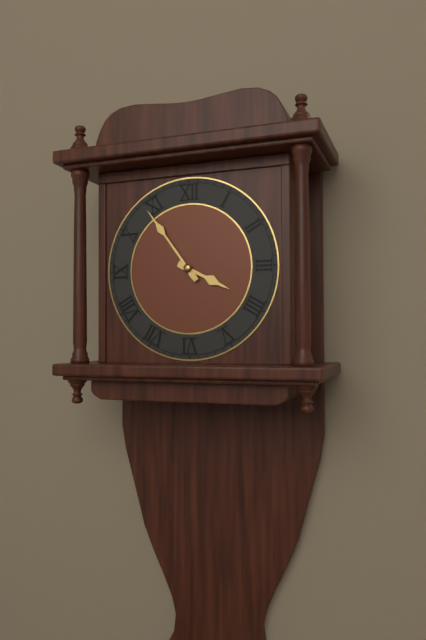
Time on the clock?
3:54
